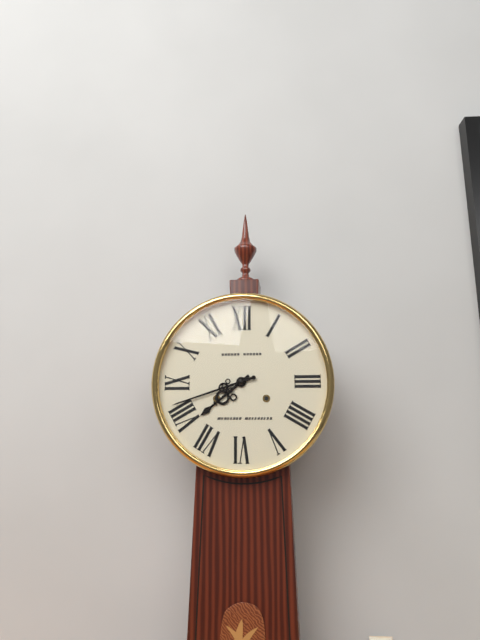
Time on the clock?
7:42
